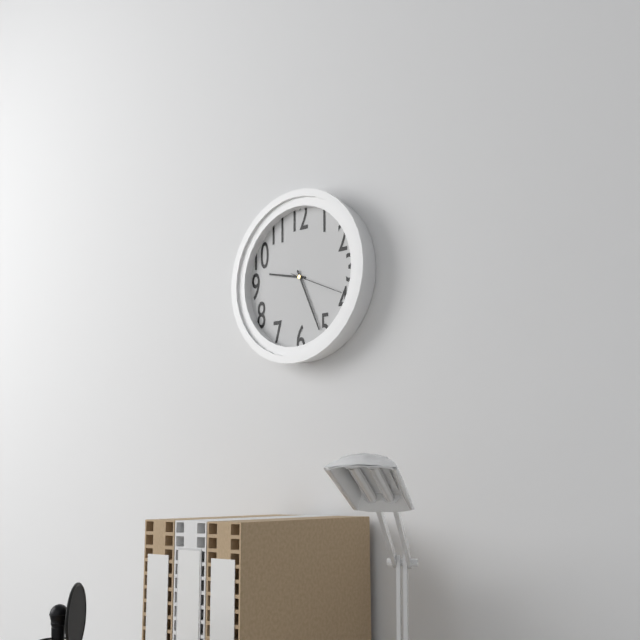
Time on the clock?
9:26:19
